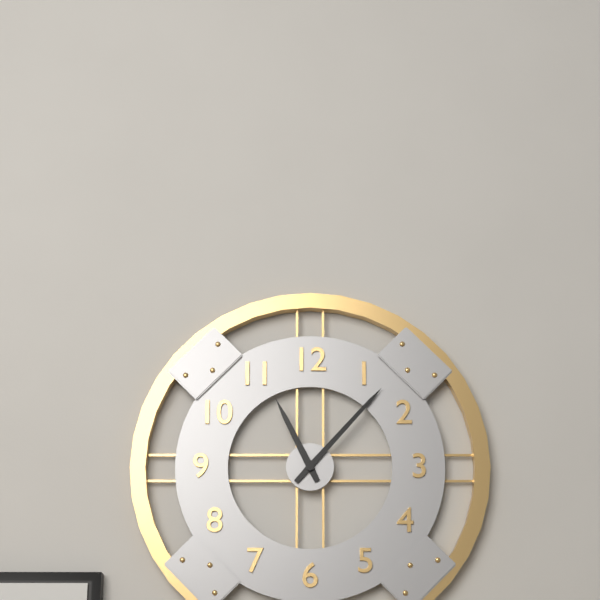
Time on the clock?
11:07
